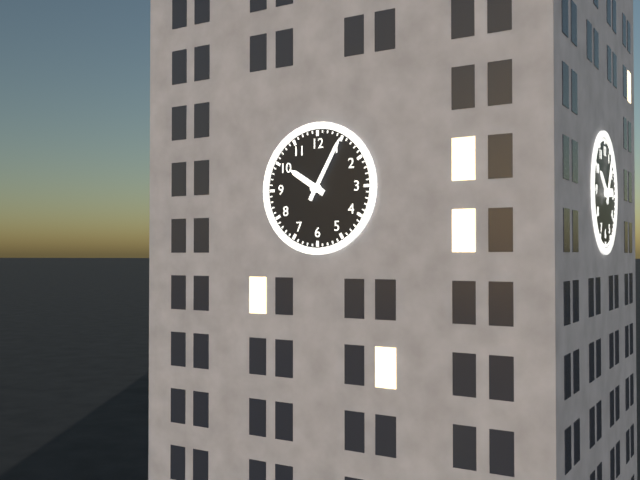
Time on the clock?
10:05
